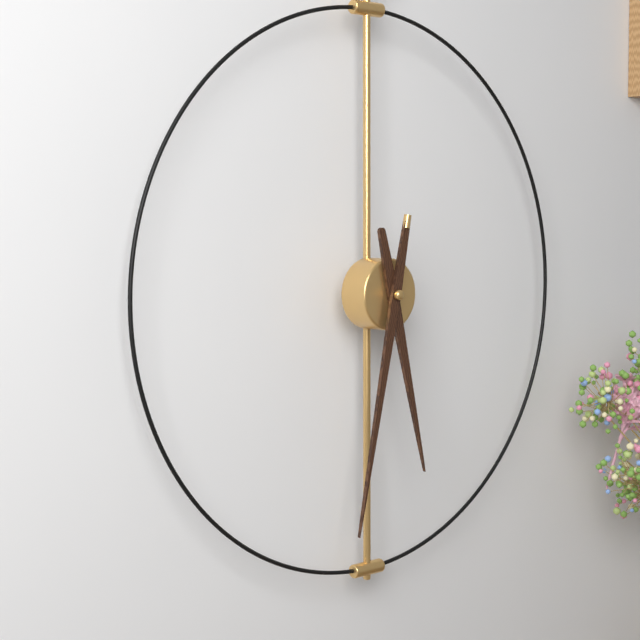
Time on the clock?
5:32
